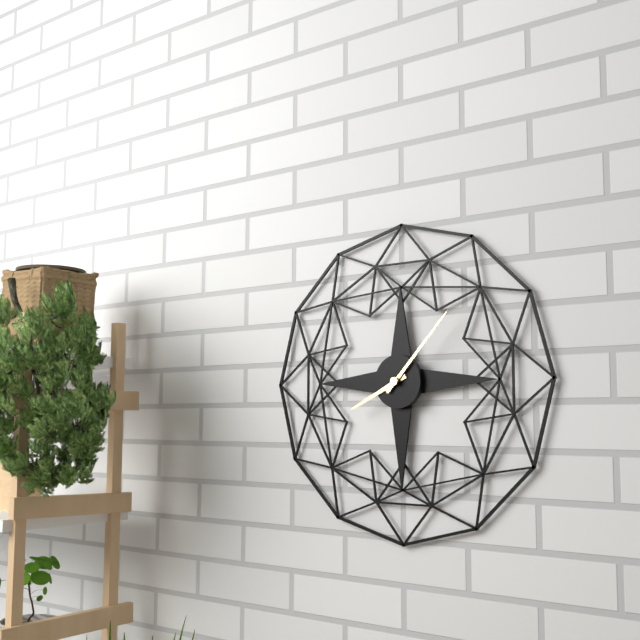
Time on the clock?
8:07
